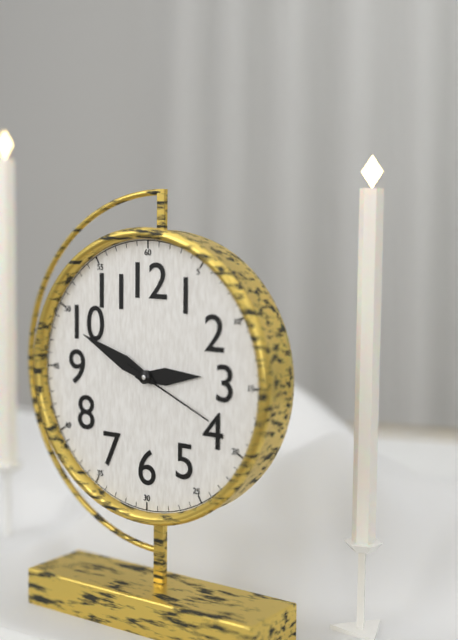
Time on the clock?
2:49:19
